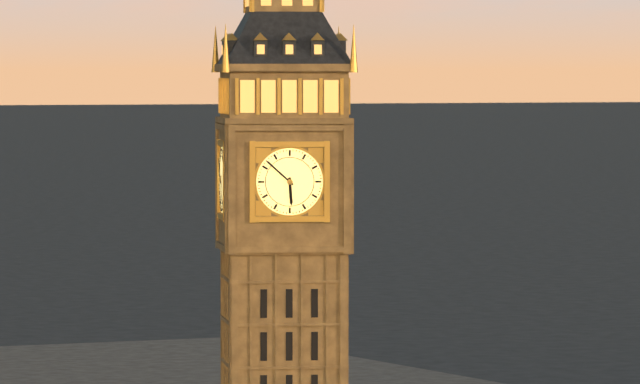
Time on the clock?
5:52
